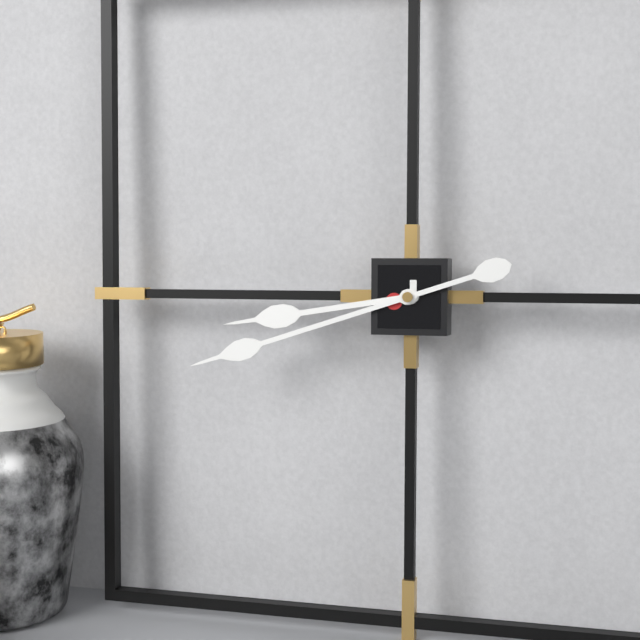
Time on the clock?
8:42
